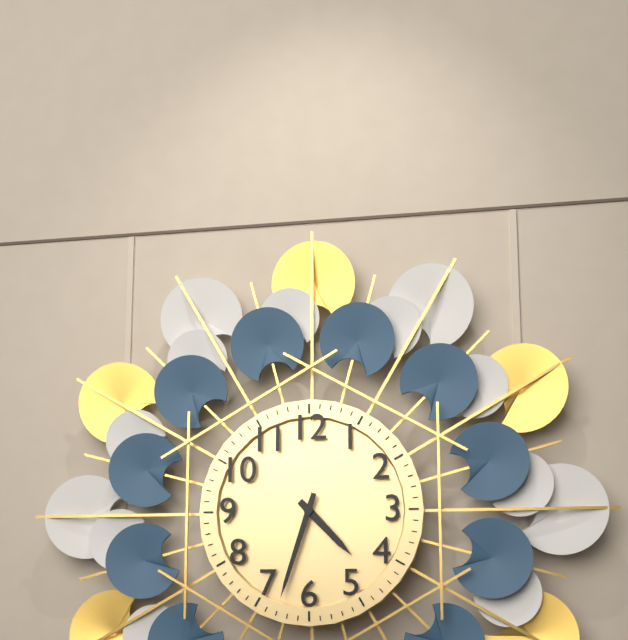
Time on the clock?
4:33
